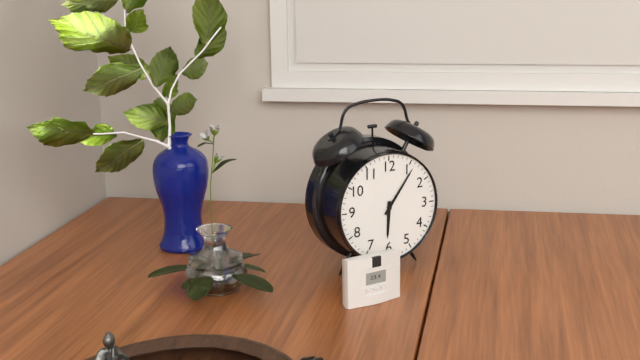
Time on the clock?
6:06
